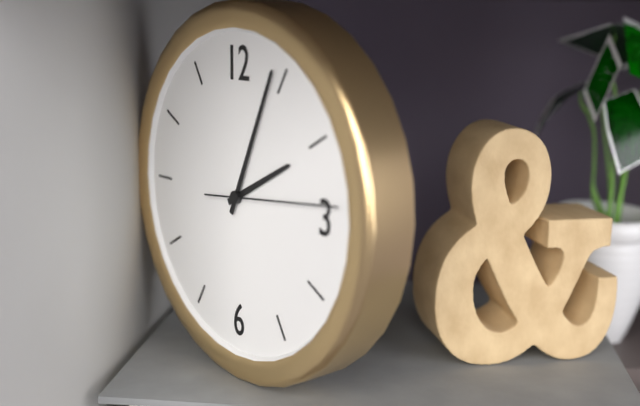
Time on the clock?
2:04:14
